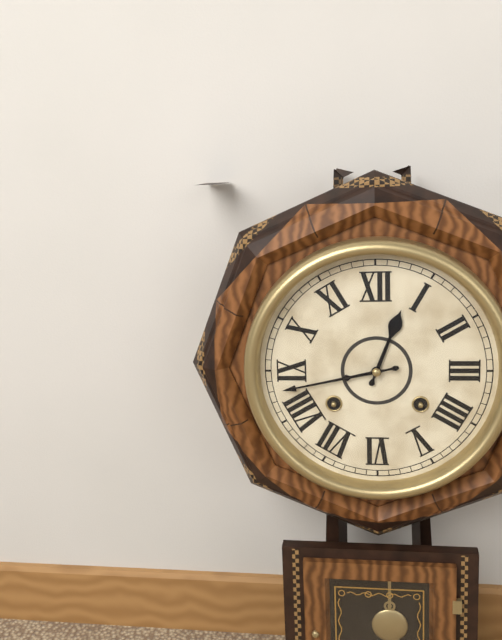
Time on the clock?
12:43
